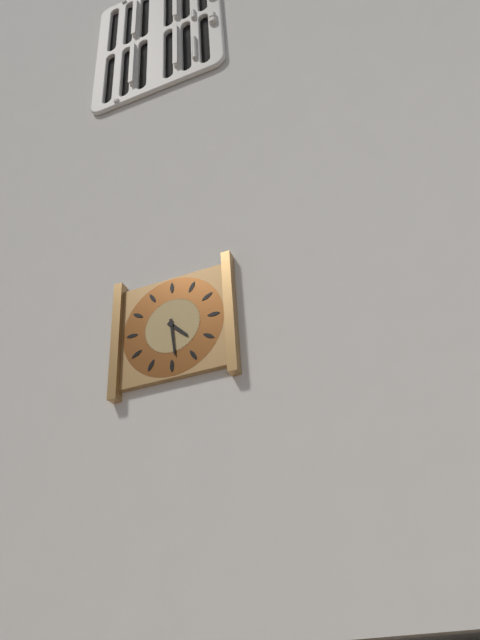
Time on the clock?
4:29
